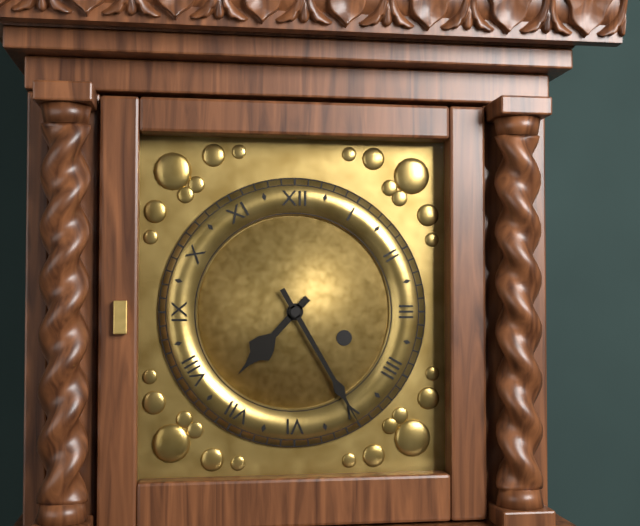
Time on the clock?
7:25
